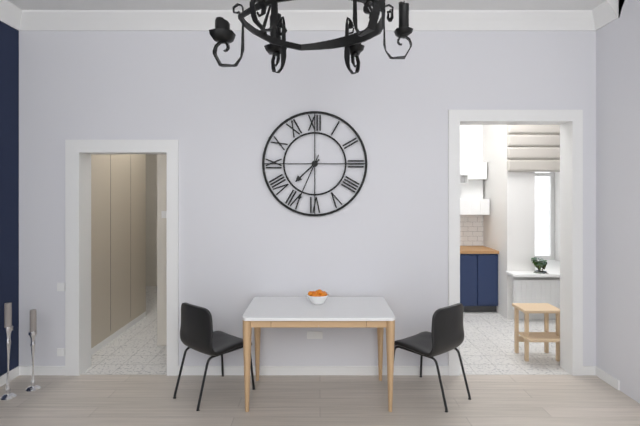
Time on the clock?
7:34
